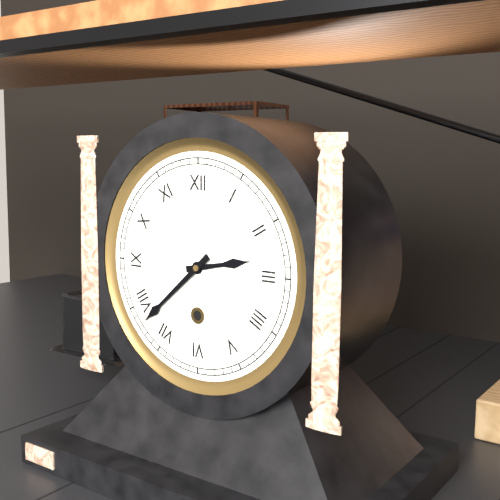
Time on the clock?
2:38
